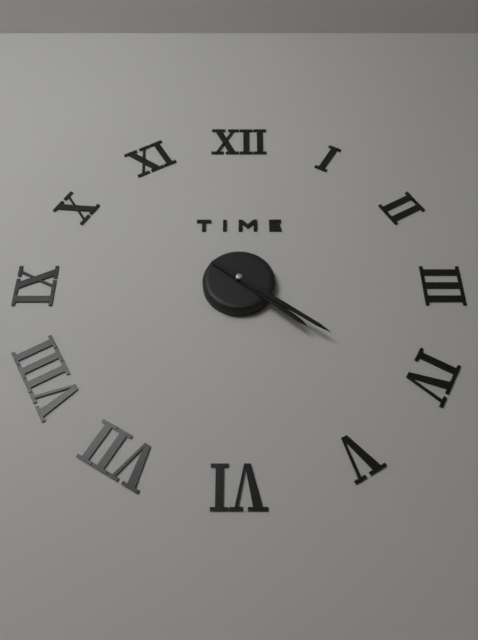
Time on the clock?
4:21
